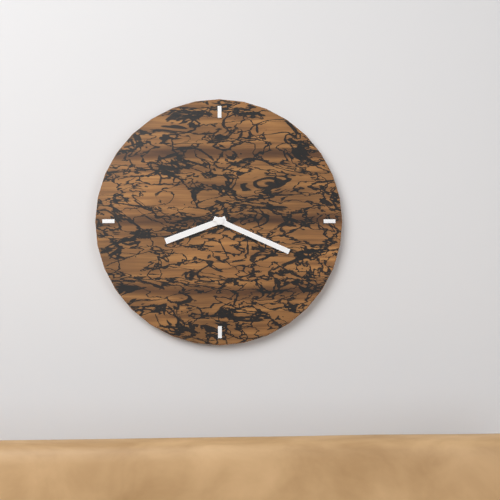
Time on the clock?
8:19
